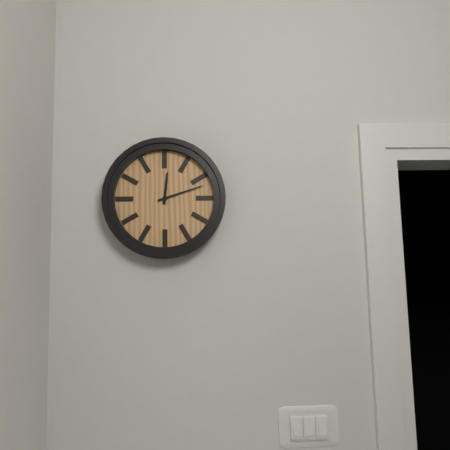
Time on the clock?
12:12
